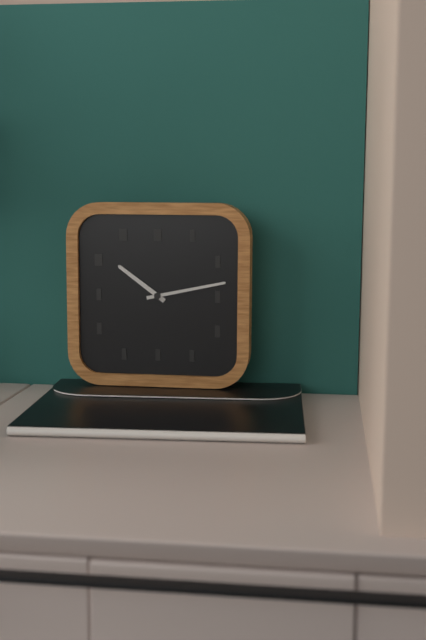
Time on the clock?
10:13
